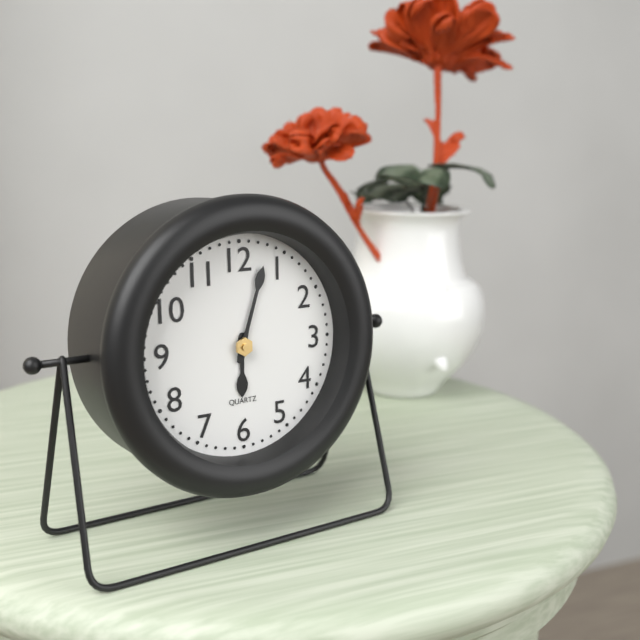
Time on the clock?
6:03
